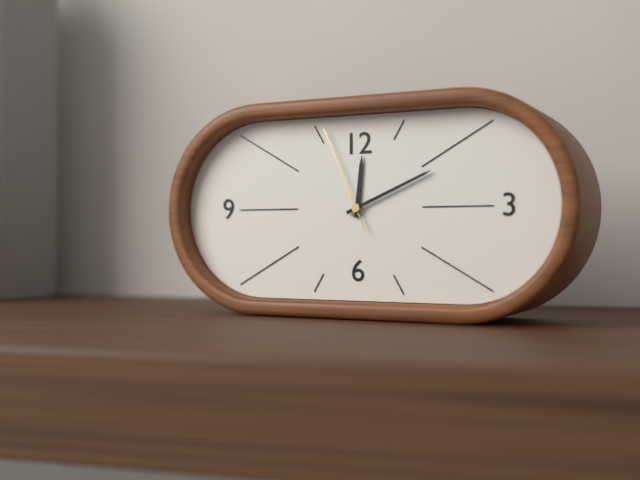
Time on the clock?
12:11:56
